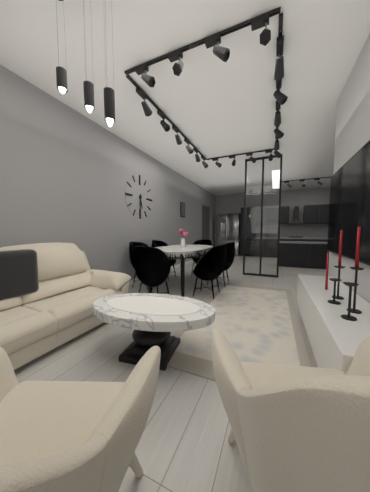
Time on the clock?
5:31
